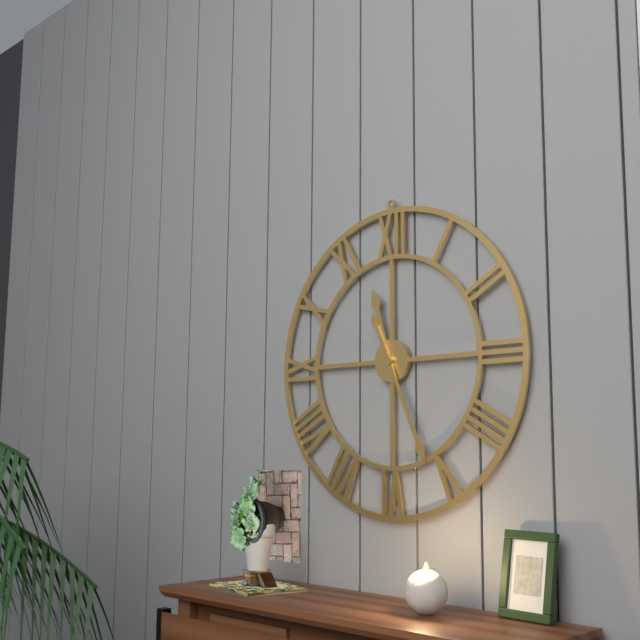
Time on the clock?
11:26
